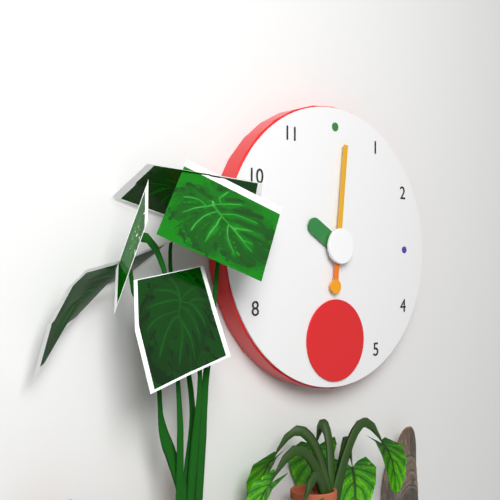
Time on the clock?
10:01
